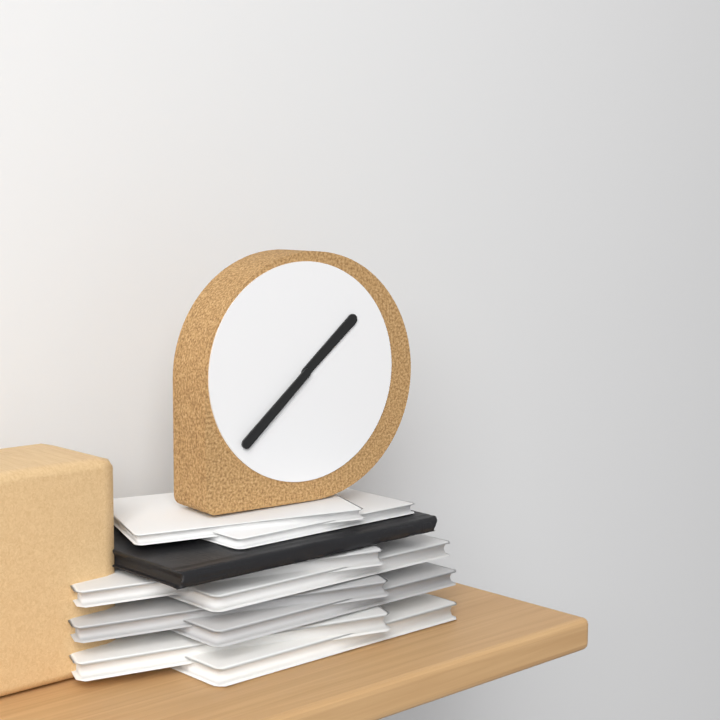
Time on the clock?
1:38
